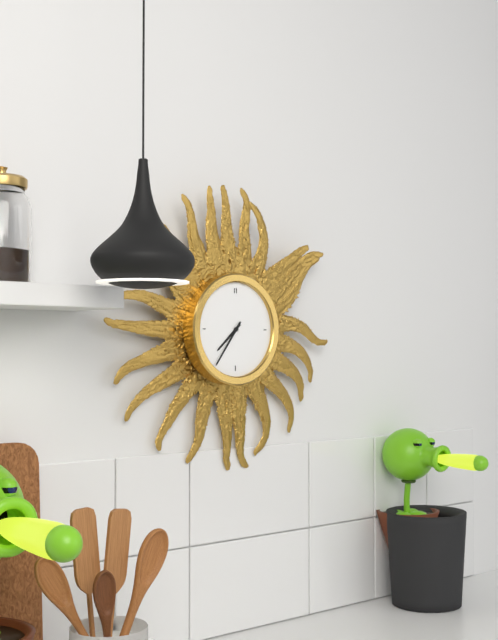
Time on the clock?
7:36
